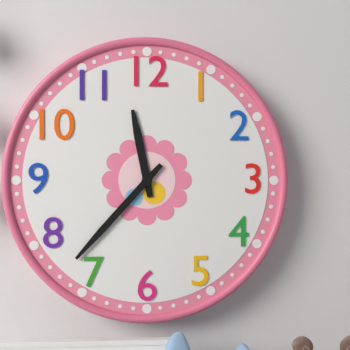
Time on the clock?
11:37
